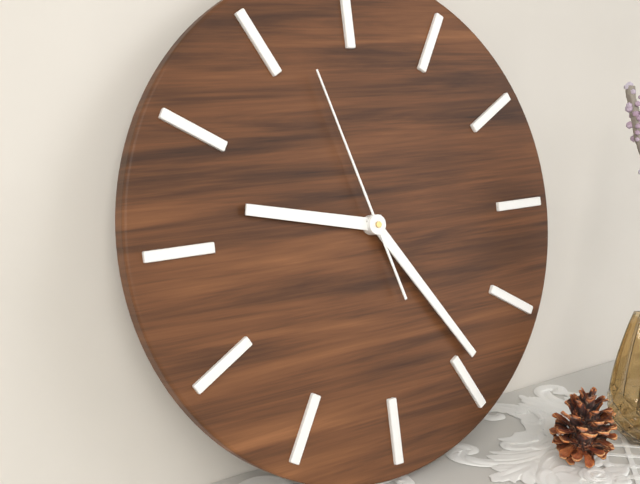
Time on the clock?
9:24:57
